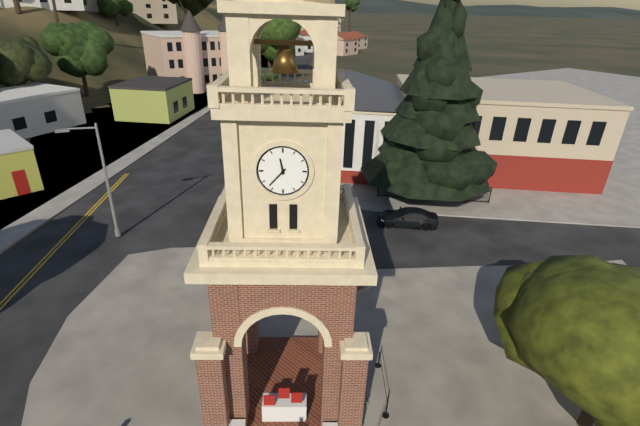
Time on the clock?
11:37
